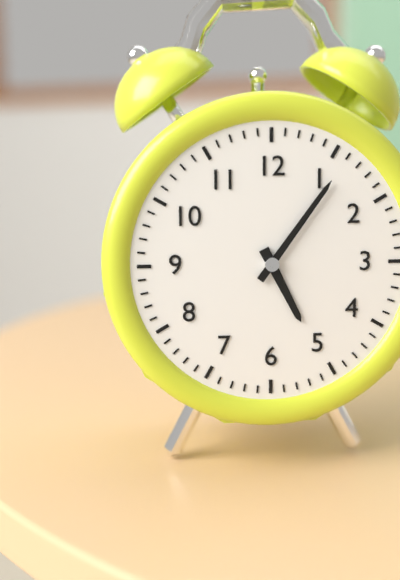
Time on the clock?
5:06
